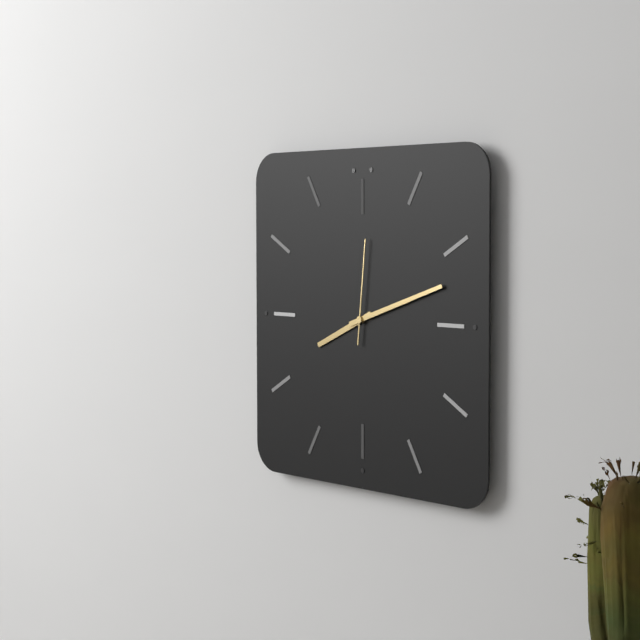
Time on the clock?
8:12:01
